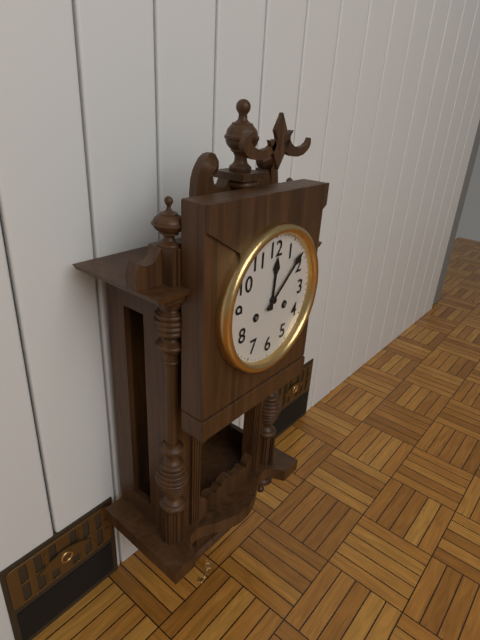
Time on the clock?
12:08
